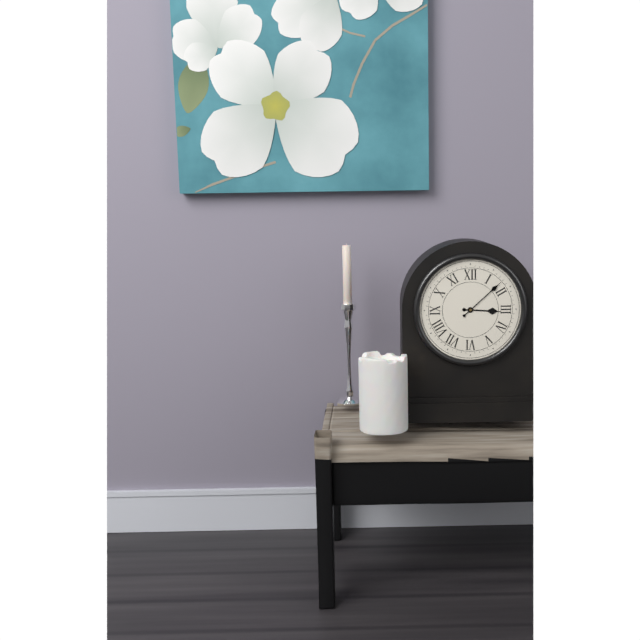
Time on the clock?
3:08
